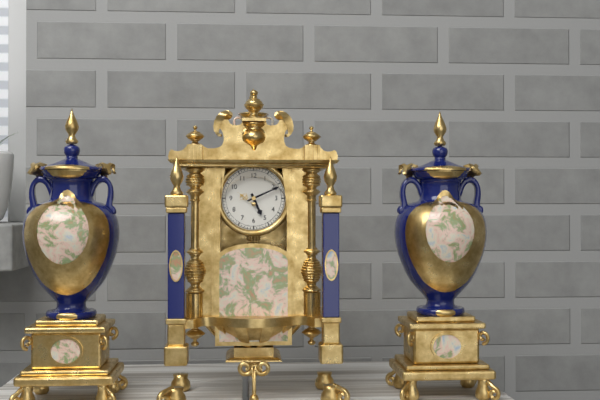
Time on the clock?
5:11
